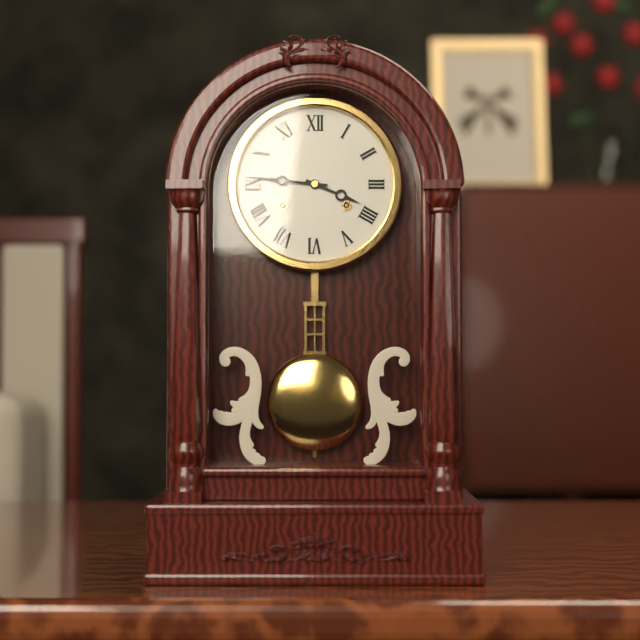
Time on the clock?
3:46
